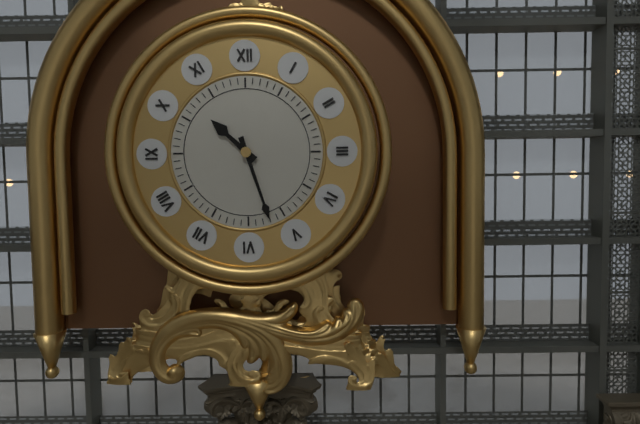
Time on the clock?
10:27
